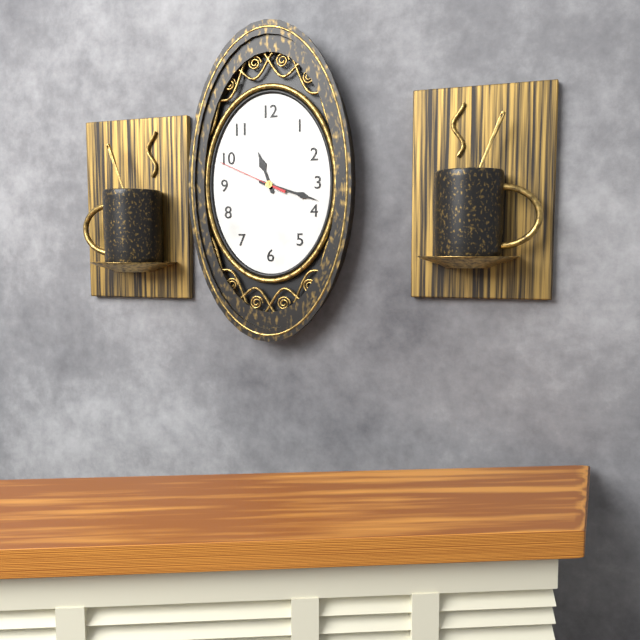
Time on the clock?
11:18:49
